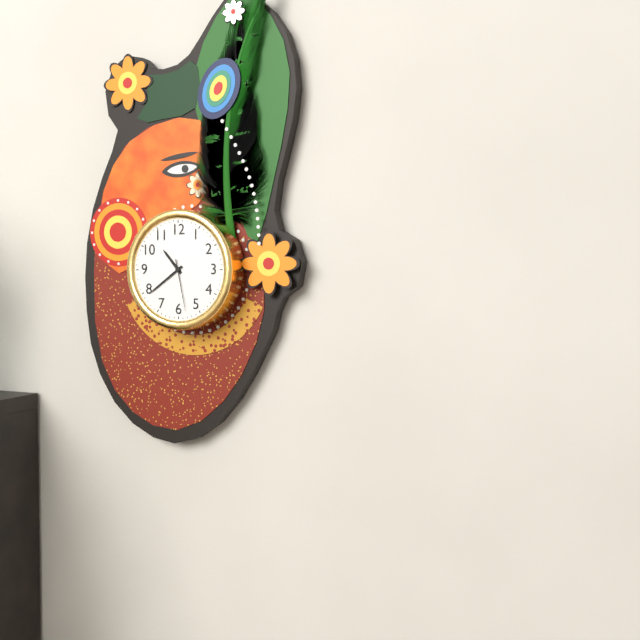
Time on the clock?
10:39:28
